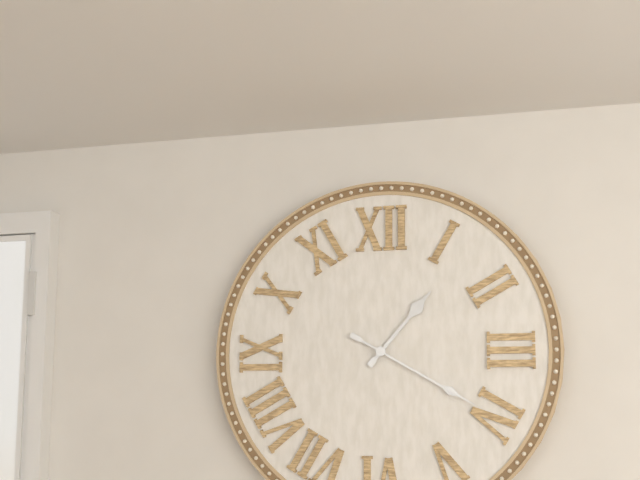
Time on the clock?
1:20
